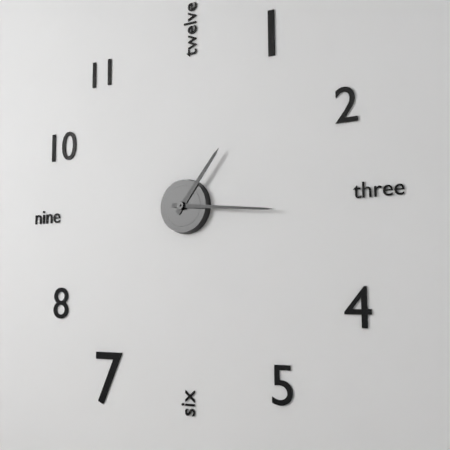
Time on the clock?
1:16
